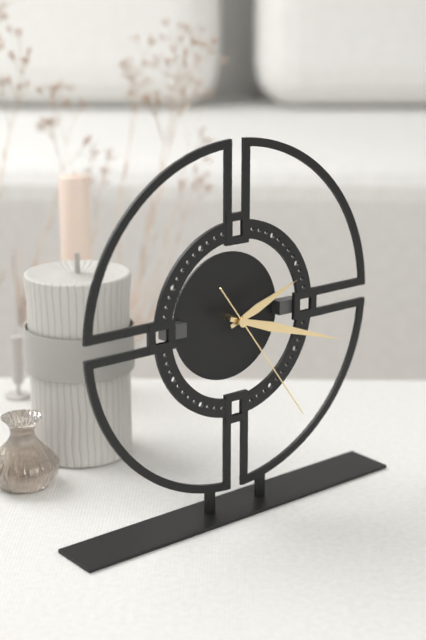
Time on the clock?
2:18:24
